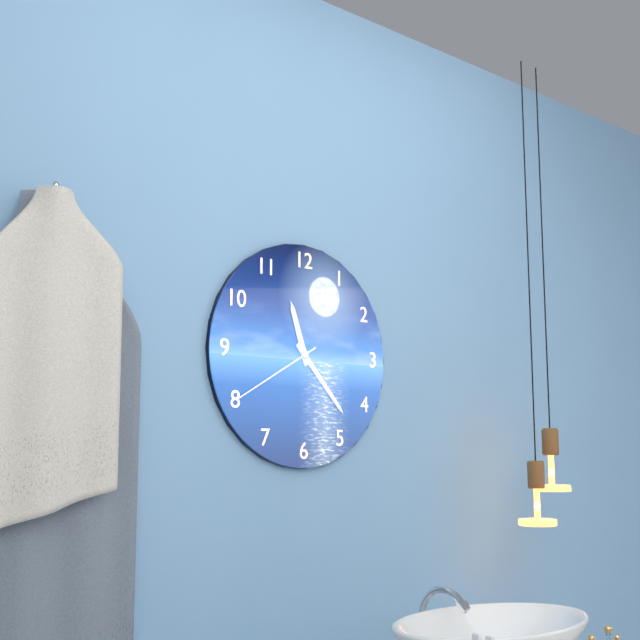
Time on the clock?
11:23:40
